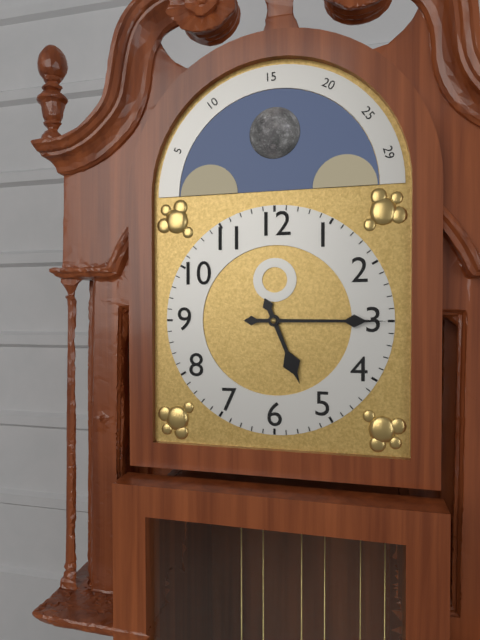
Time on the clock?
5:15
